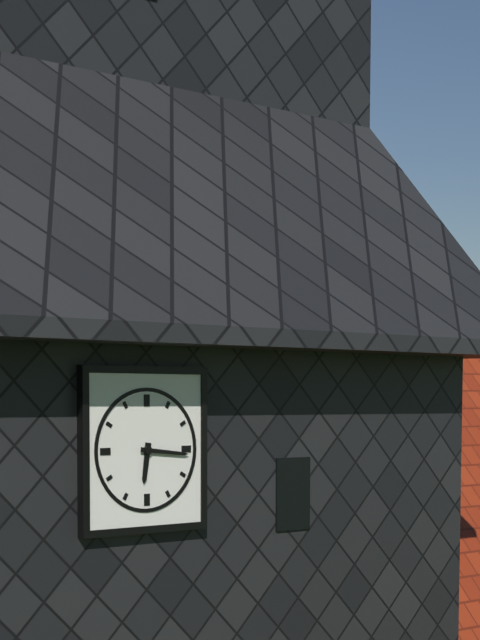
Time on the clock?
6:16
